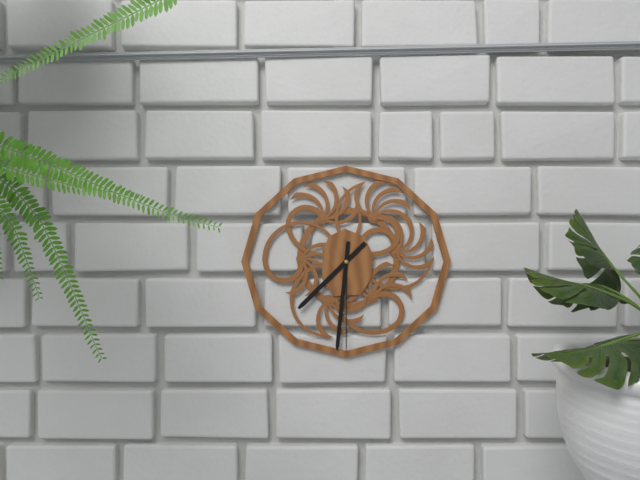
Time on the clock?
7:31:30
